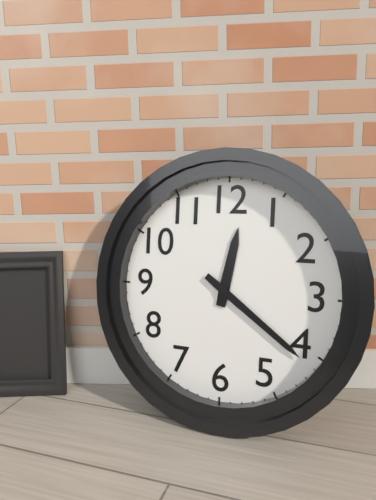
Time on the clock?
12:21
